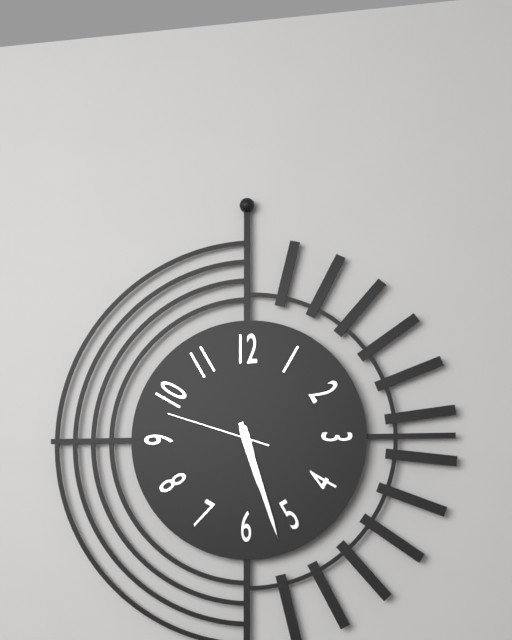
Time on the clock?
5:27:48
